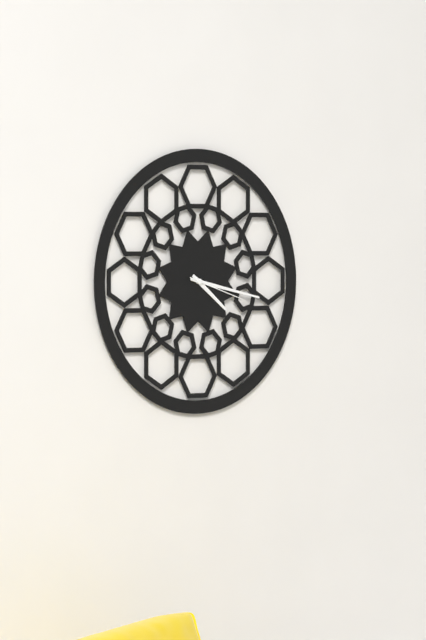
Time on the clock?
4:17:18
